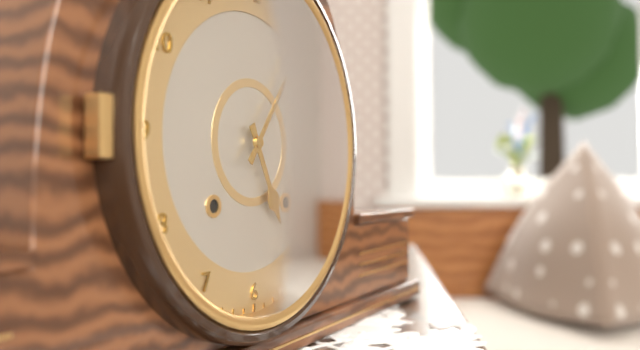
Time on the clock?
5:06
